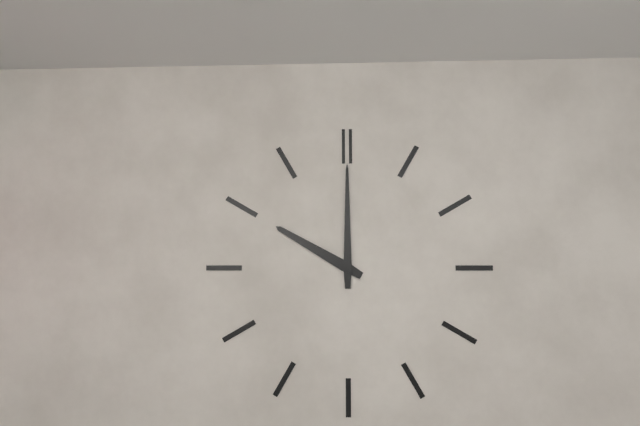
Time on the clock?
10:00
